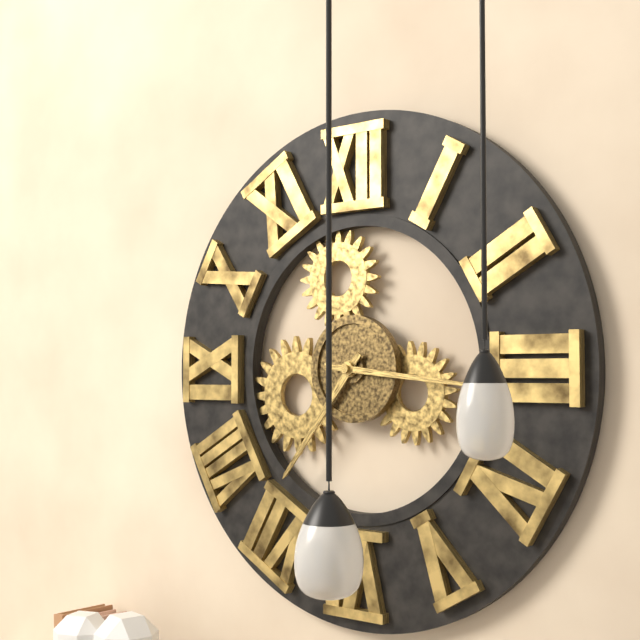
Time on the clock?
7:16
